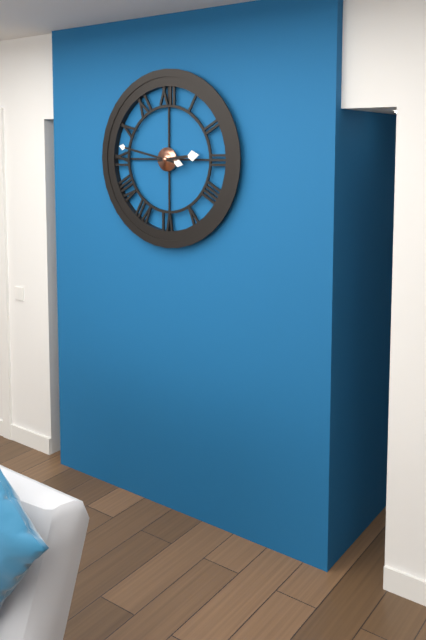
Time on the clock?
2:47
